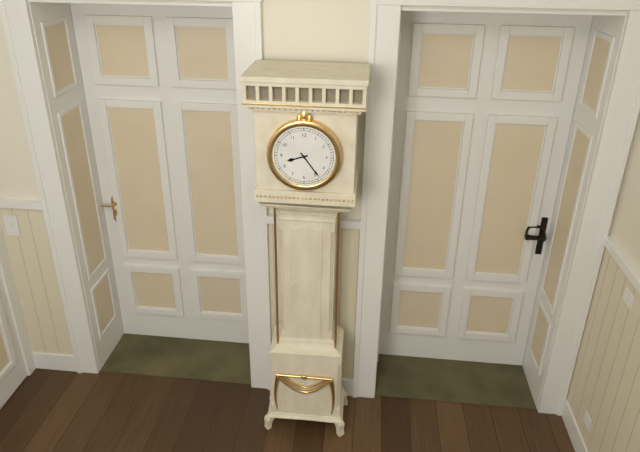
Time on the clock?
8:24
